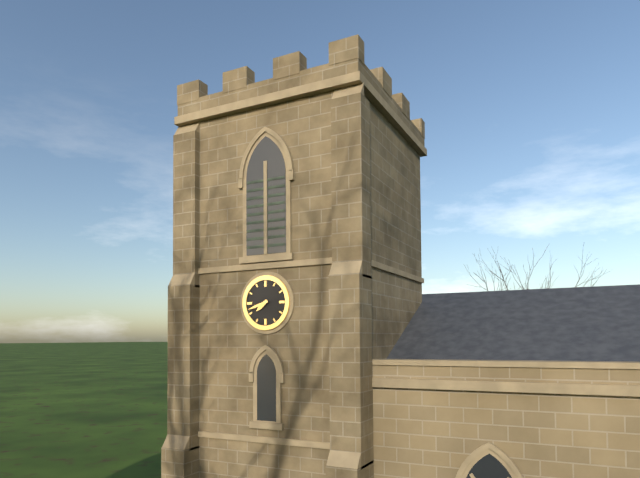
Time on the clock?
7:42
